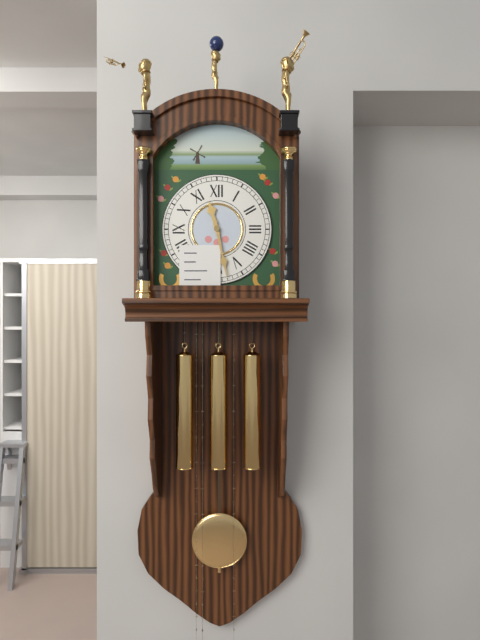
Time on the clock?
11:28
